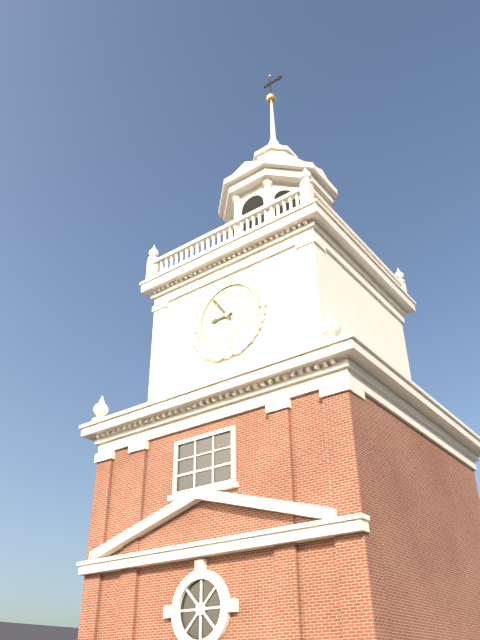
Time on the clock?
8:54
